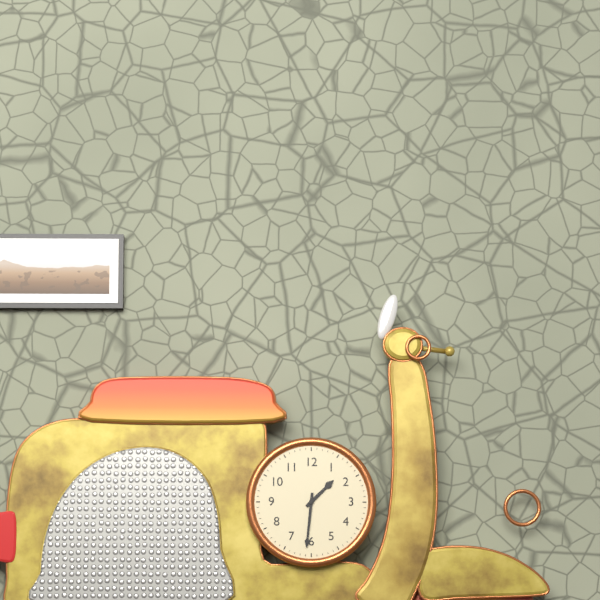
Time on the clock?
1:31
